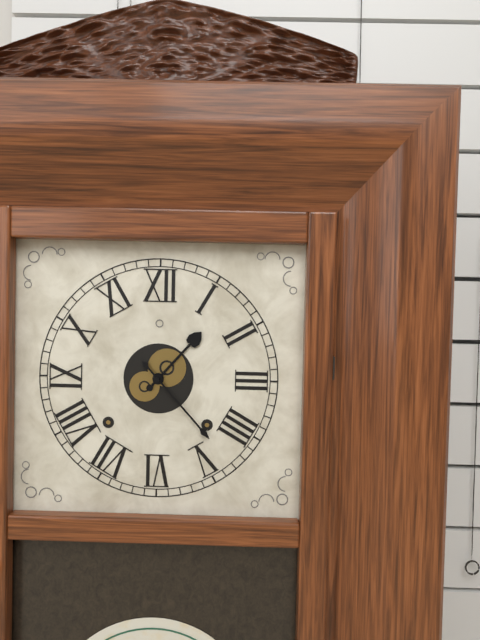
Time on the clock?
1:23
